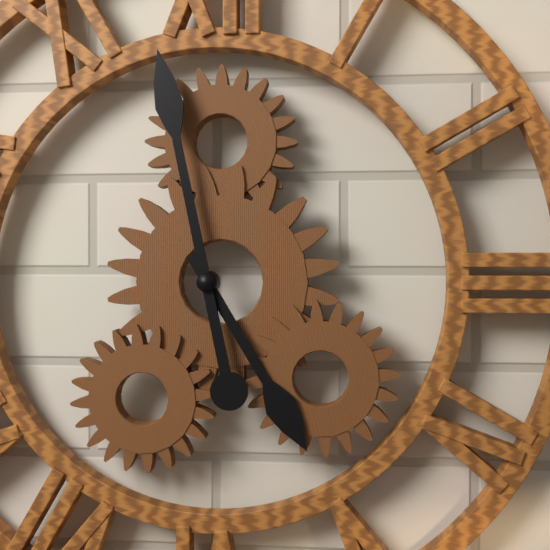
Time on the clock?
4:58
